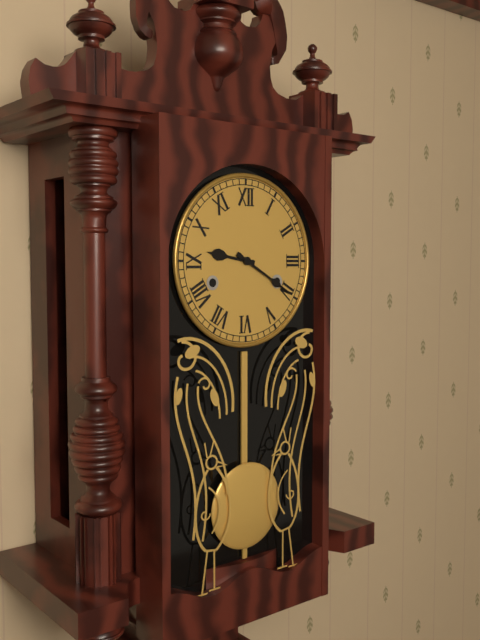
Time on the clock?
9:20
